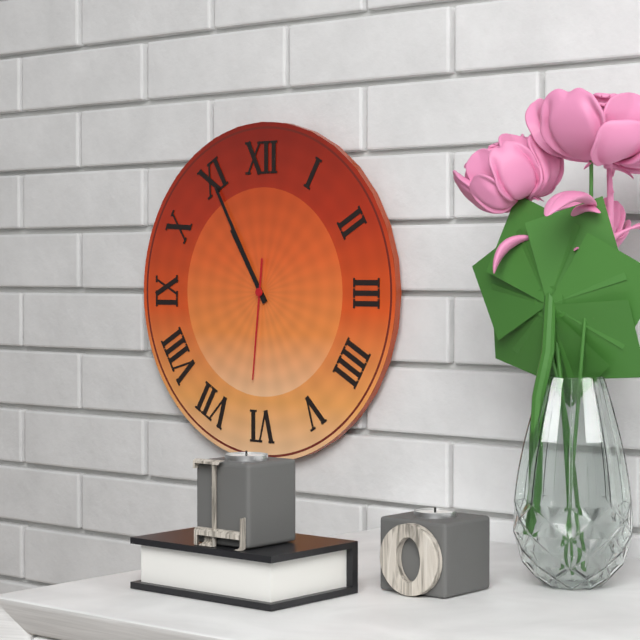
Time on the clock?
10:55:31
